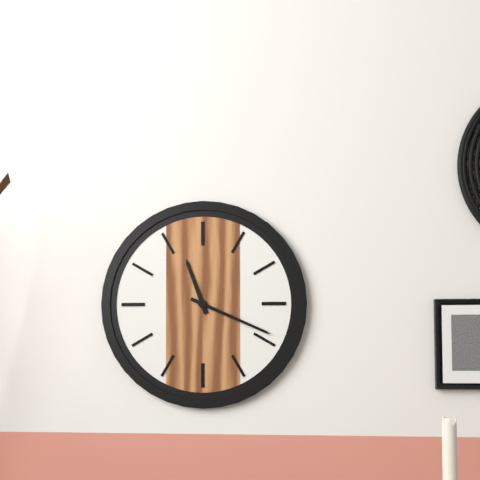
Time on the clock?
11:19
